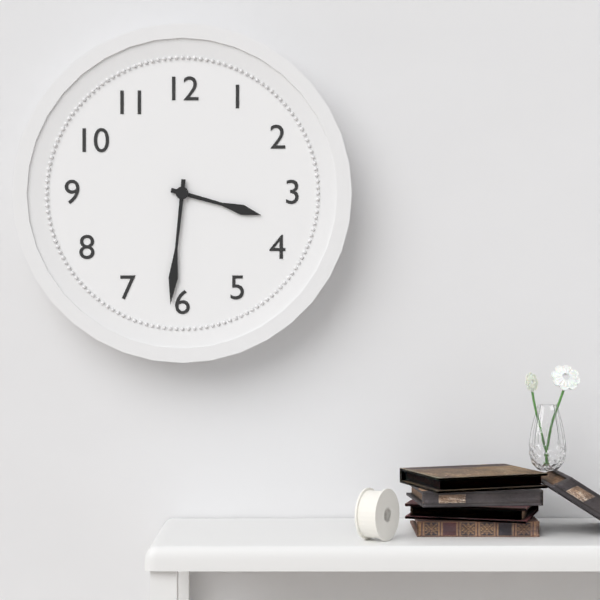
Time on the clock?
3:31
